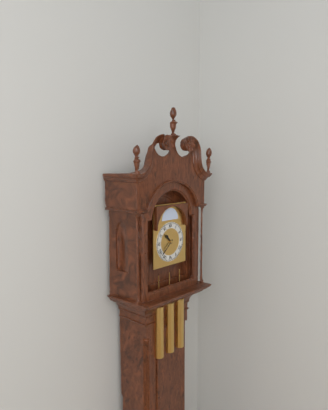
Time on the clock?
10:38
